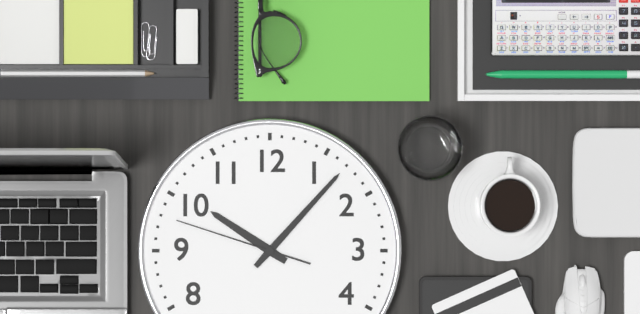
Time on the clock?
10:07:48
